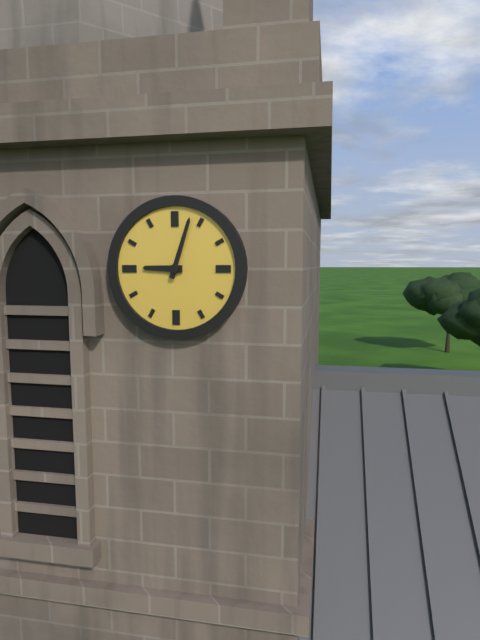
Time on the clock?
9:03
